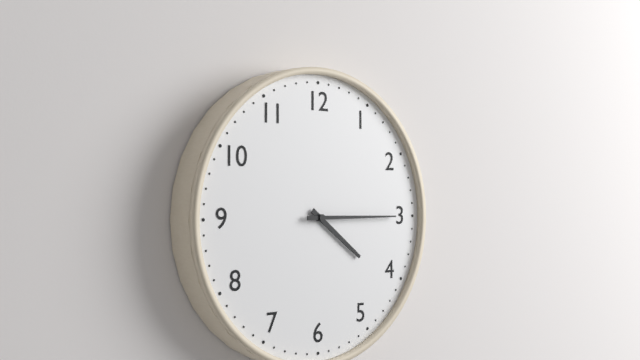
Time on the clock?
4:15
